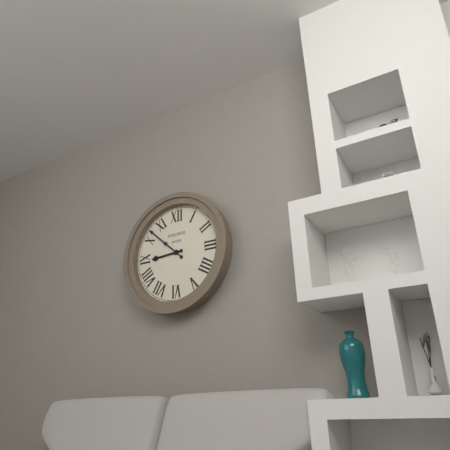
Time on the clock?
8:52
